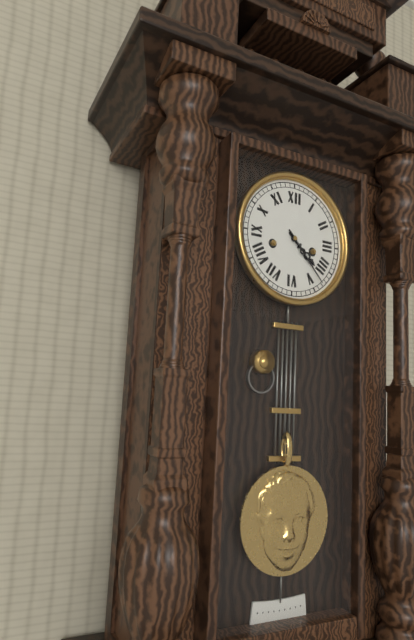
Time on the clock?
4:23
